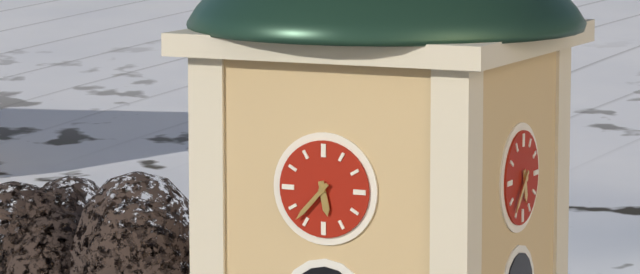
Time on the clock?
5:37
